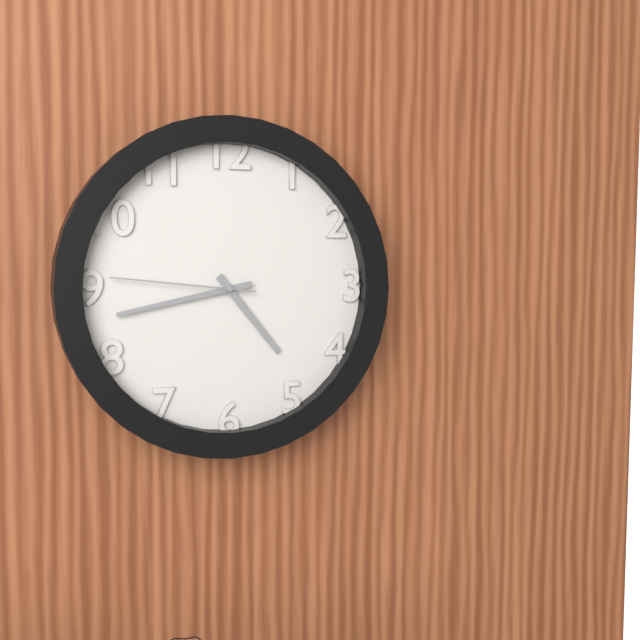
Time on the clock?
4:43:46
